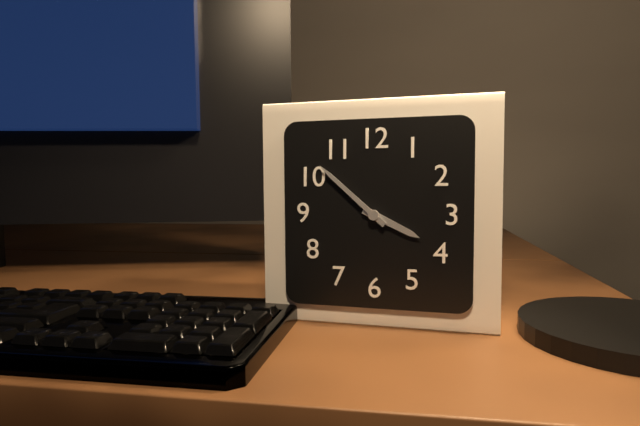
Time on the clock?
3:52
